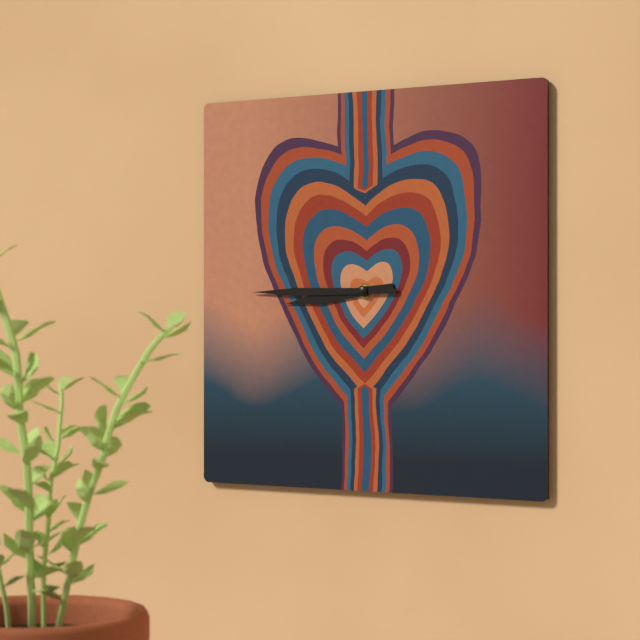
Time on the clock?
8:45
